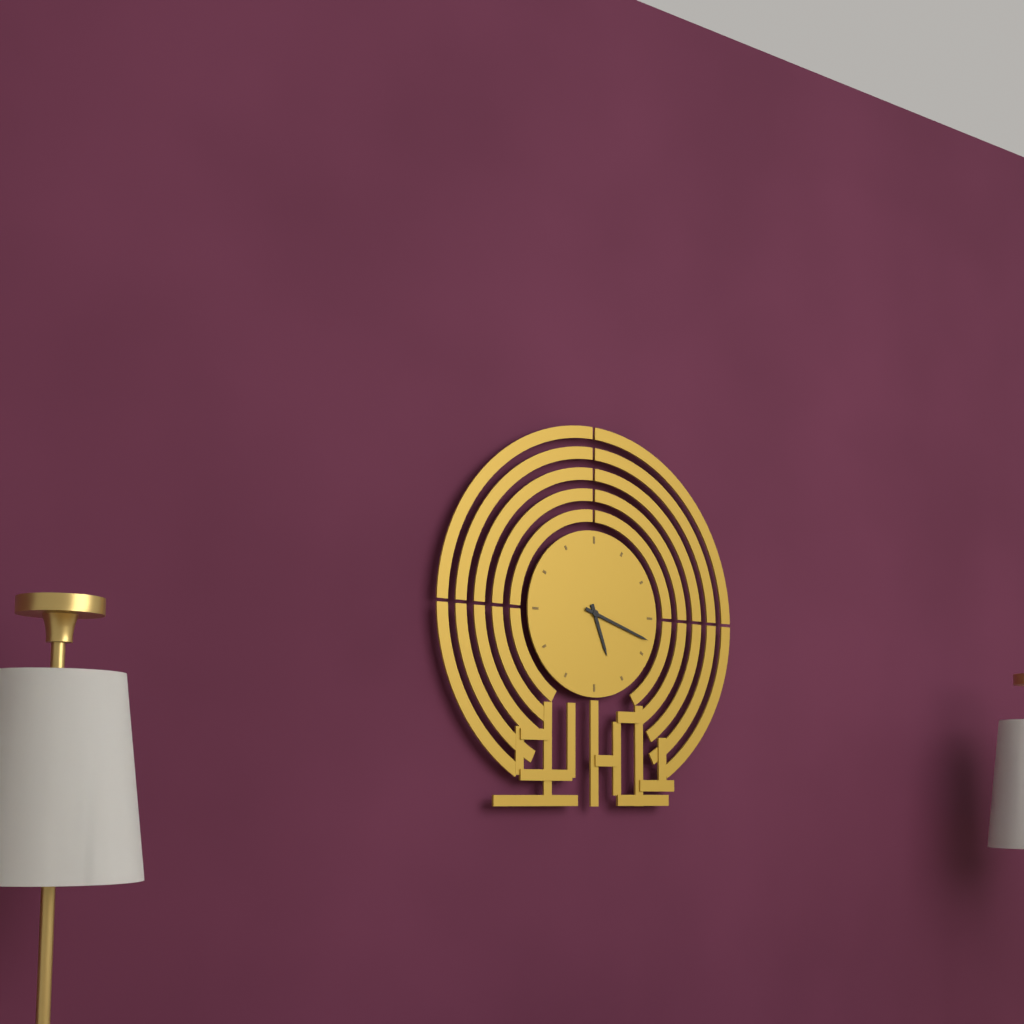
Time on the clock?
5:18
